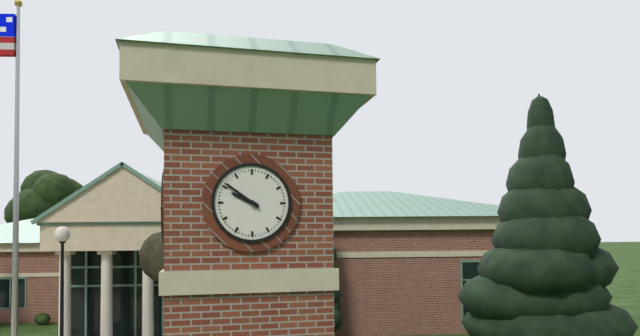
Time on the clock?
9:51
